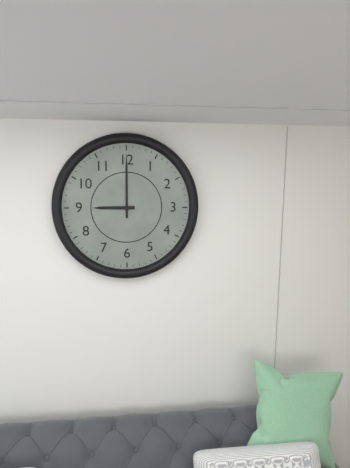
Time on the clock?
9:00
